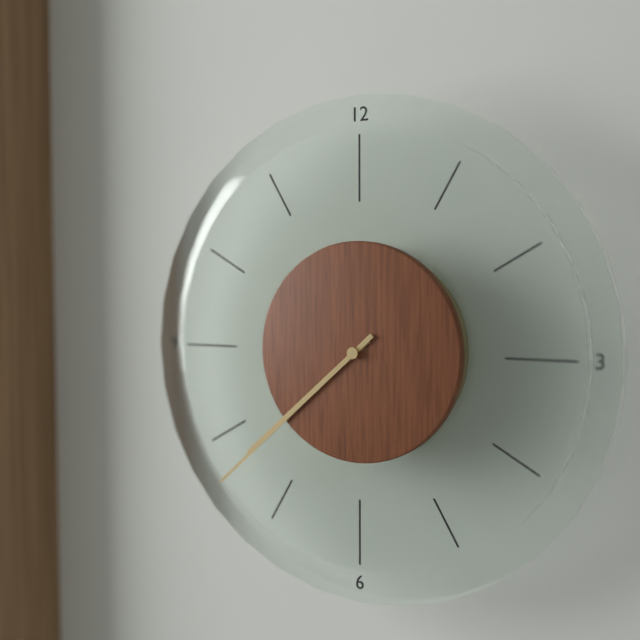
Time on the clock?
7:38
